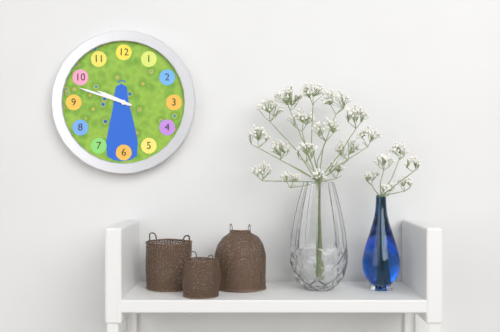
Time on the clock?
9:48
